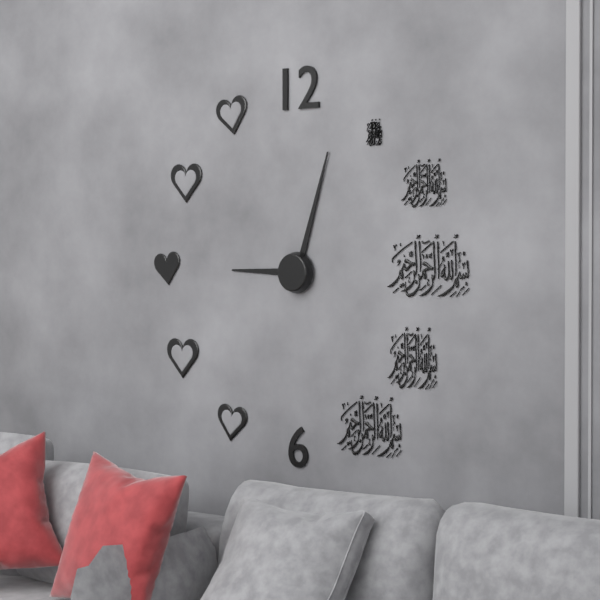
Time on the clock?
9:03
